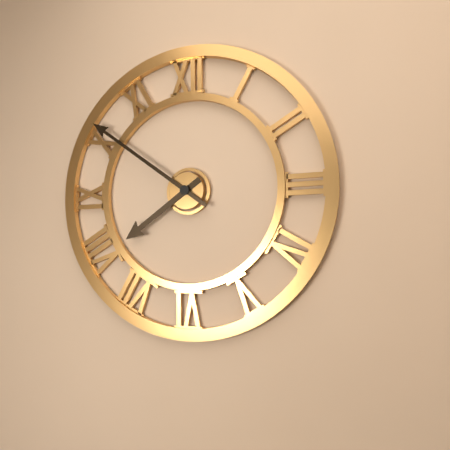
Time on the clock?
7:51
